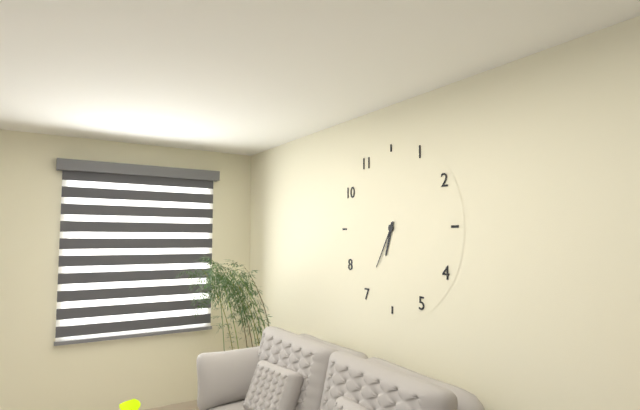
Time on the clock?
6:35
